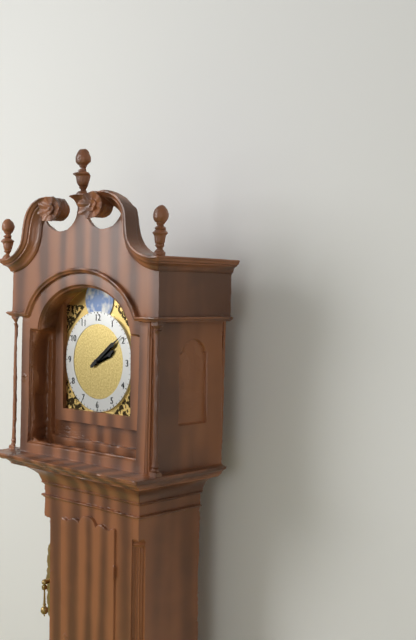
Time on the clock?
2:09
